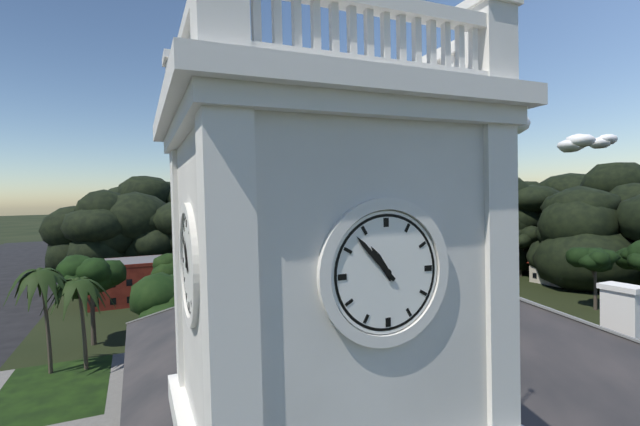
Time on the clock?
10:53
